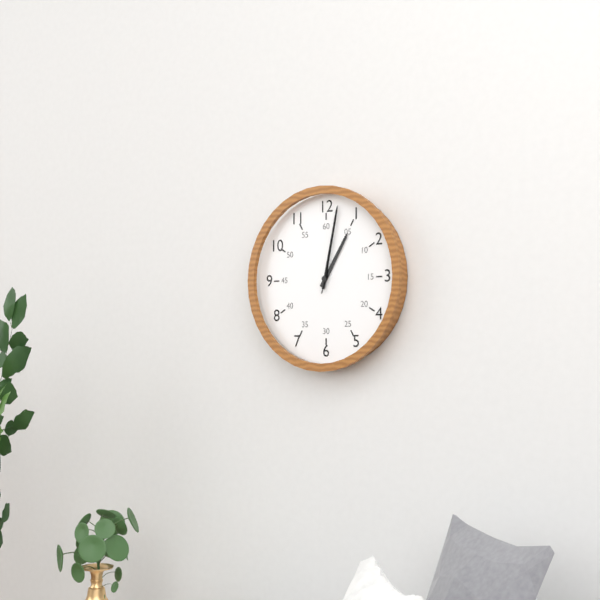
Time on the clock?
1:02:02
